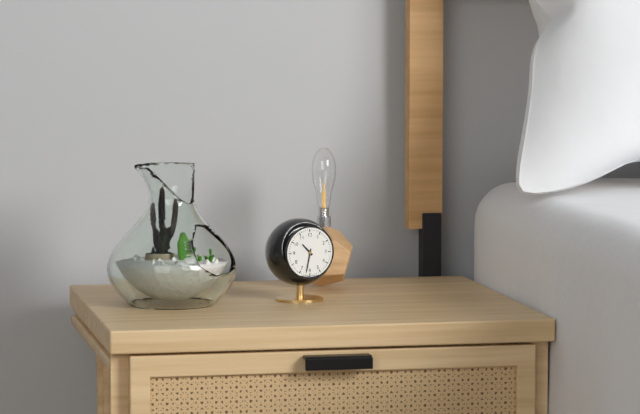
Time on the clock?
10:32
